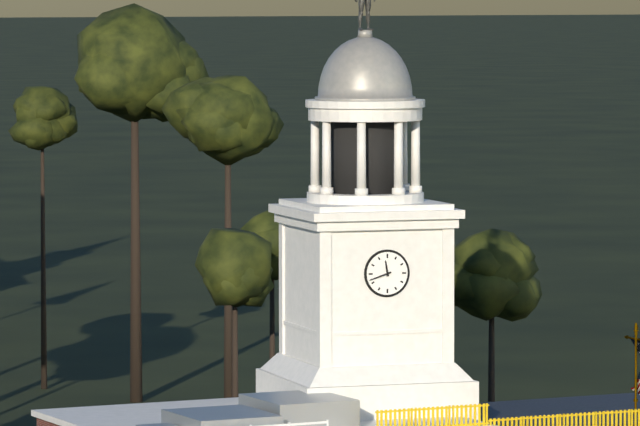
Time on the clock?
11:42
